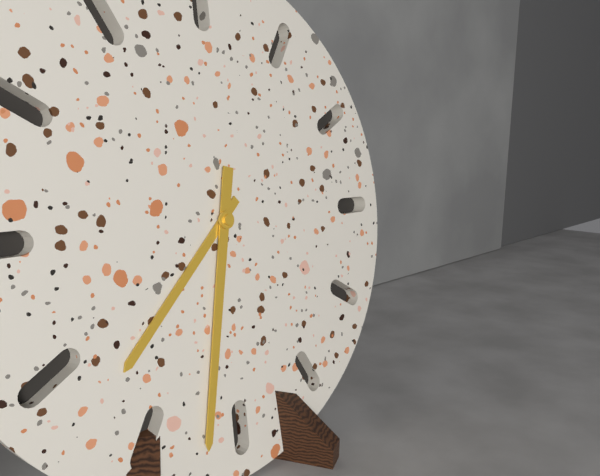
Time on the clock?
7:32
